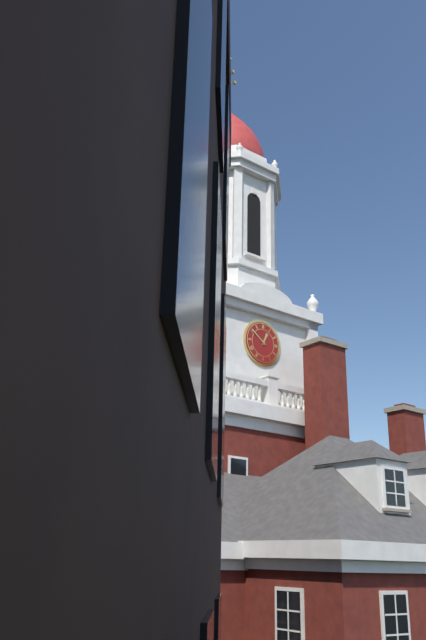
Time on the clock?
12:51
